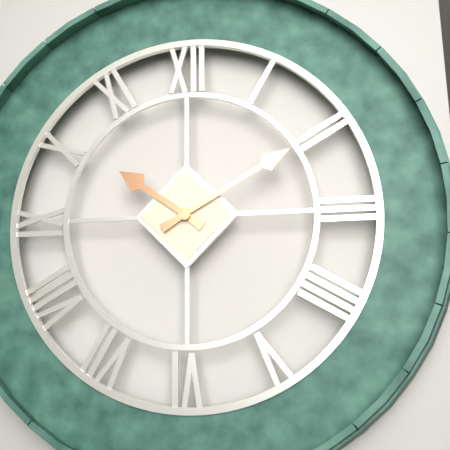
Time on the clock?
10:10
